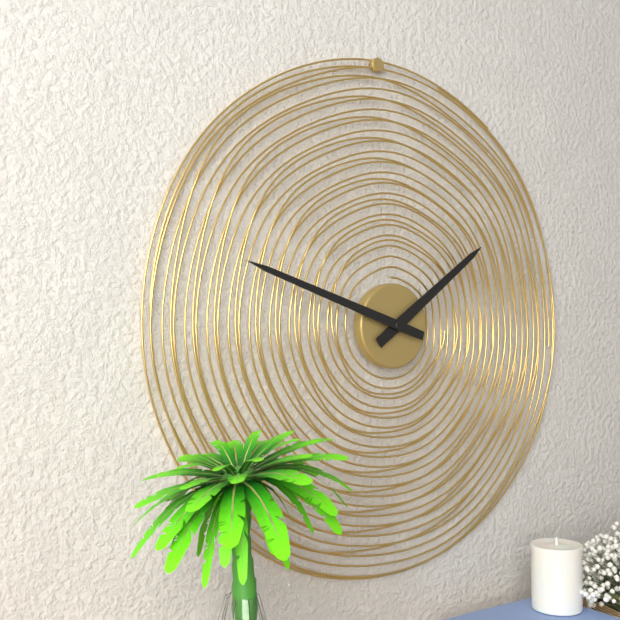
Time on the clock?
1:48
